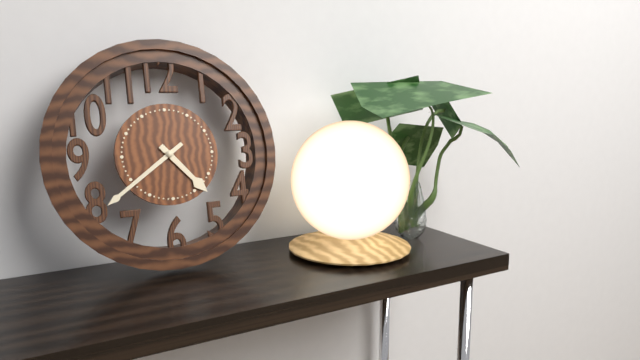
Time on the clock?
4:39
